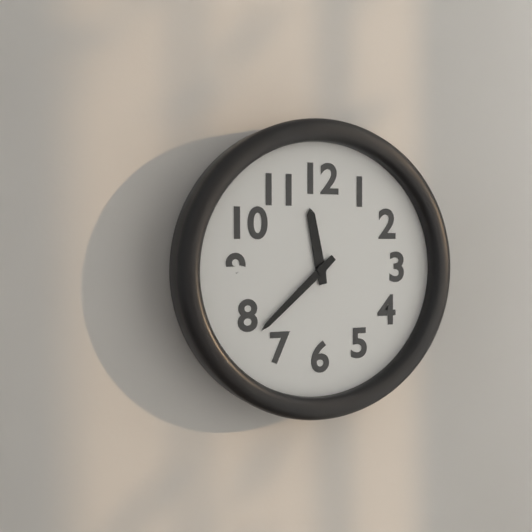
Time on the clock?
11:38
